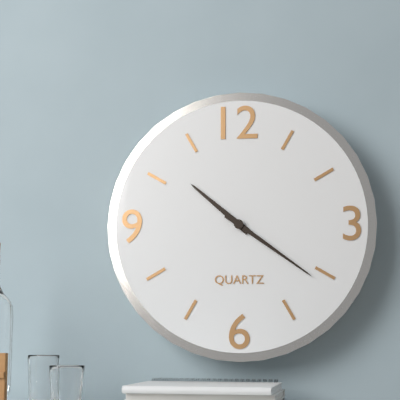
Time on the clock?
10:21
